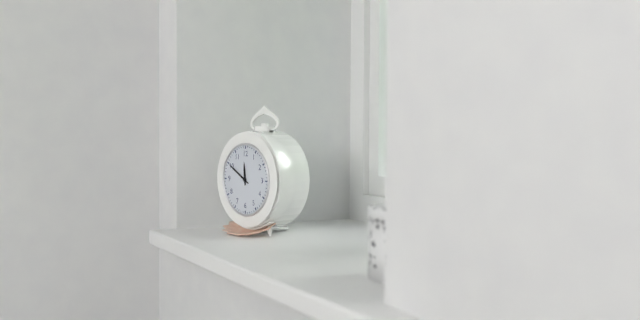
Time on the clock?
11:50
